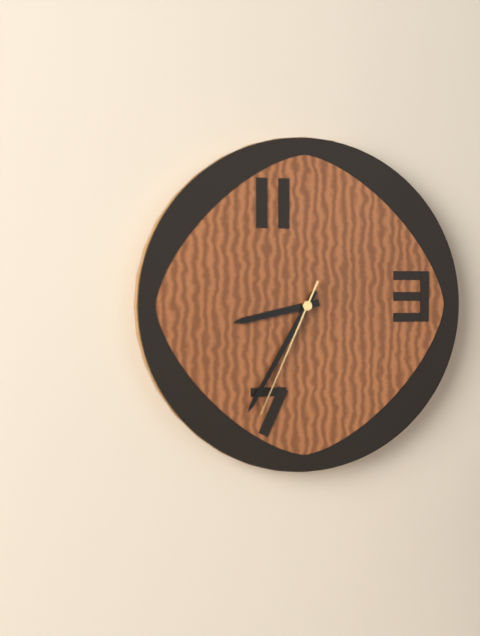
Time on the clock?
8:35:34
